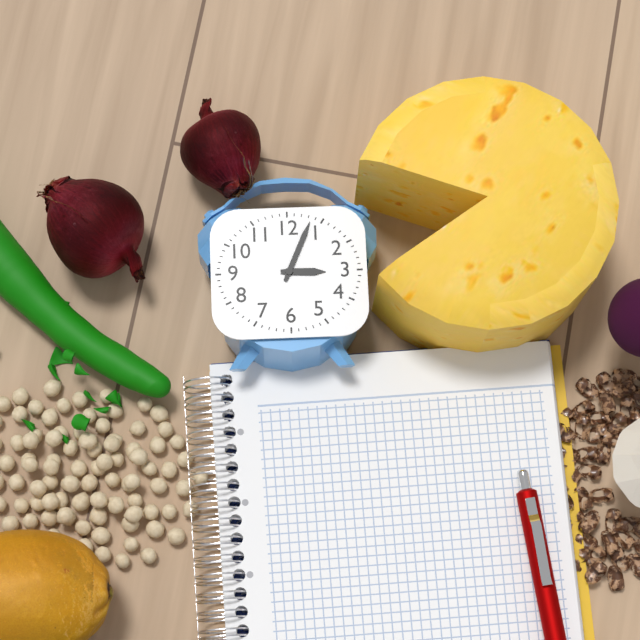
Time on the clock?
3:04
